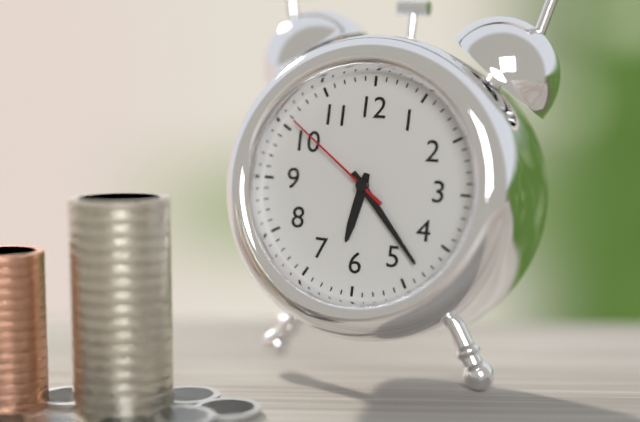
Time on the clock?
6:23:51
